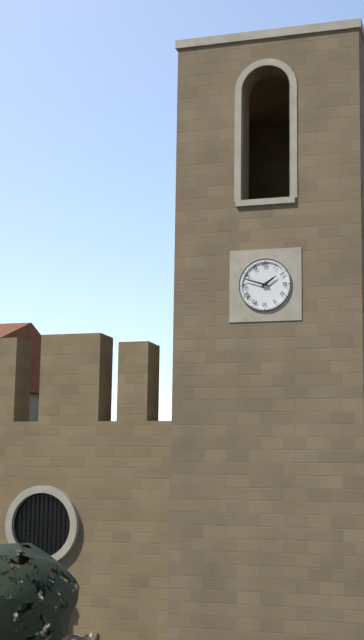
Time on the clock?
1:48
